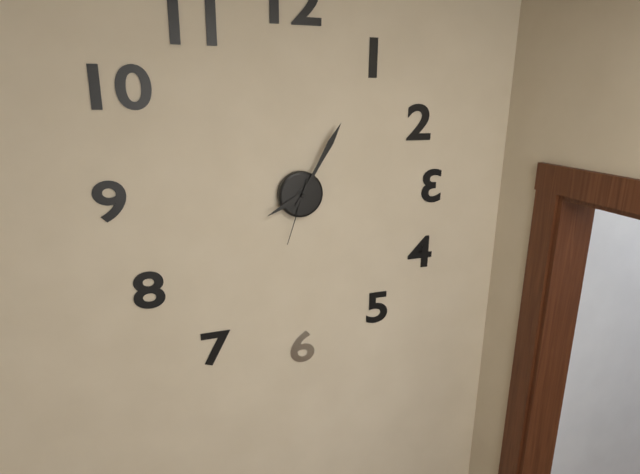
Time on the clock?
8:05:33
